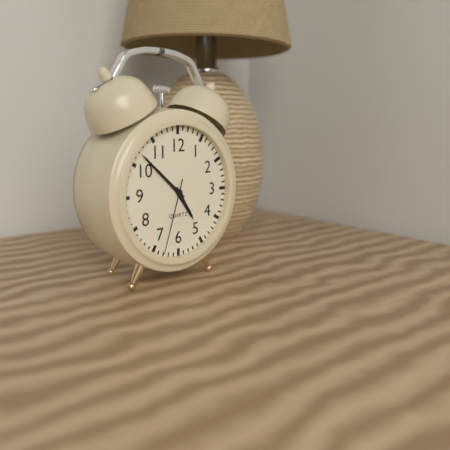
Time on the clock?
4:52:33
